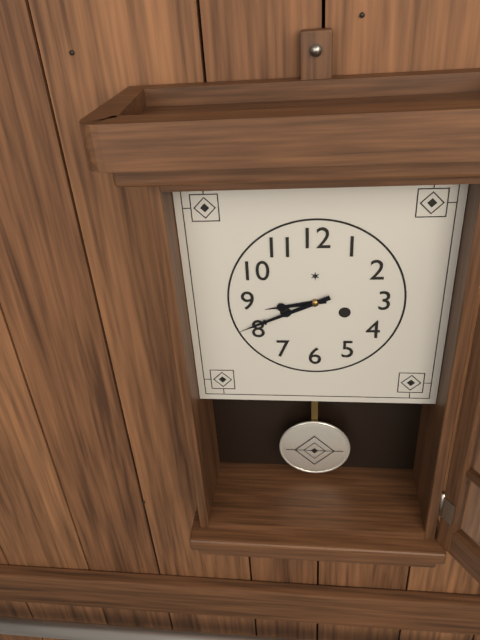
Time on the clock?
8:41
